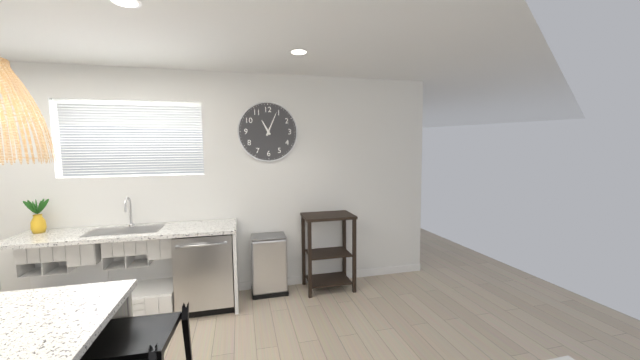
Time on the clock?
11:04
